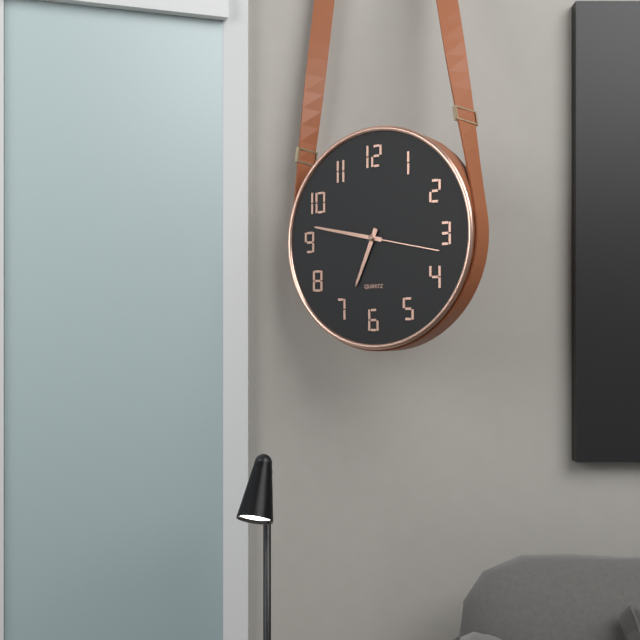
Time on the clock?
6:47:17
